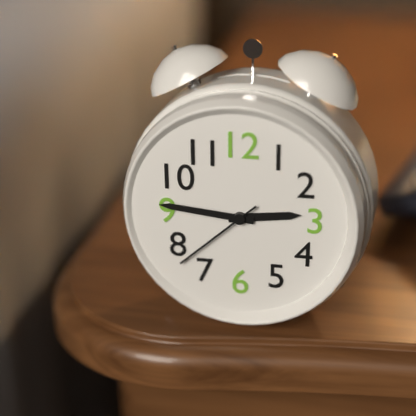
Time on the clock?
2:46:38
